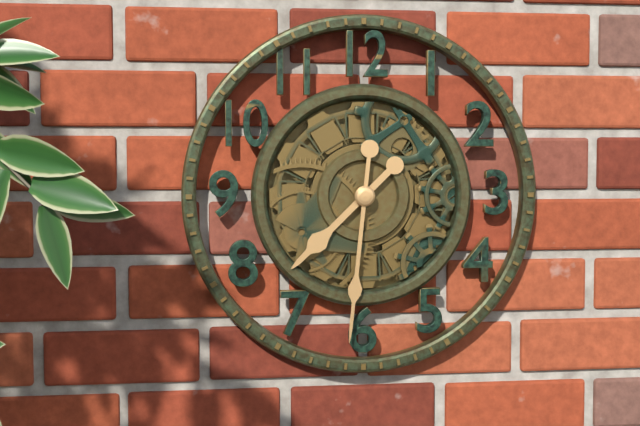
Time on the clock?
7:31
